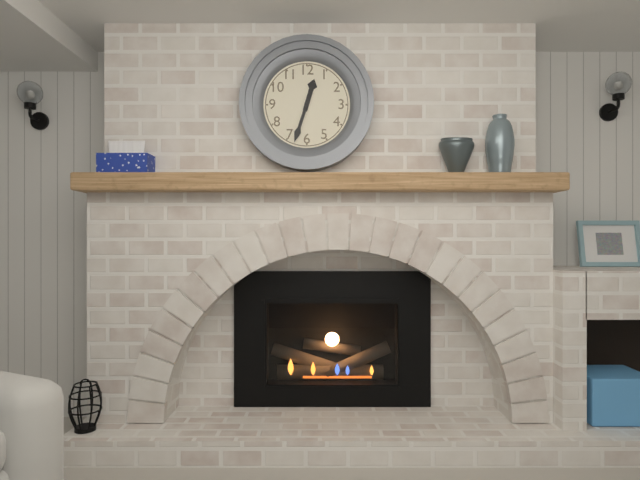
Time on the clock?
12:33
